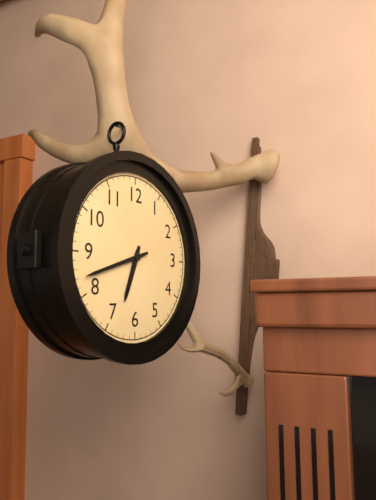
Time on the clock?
6:42
